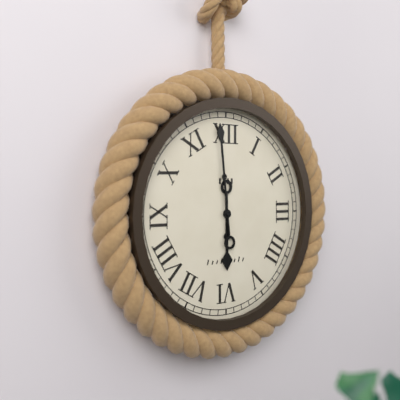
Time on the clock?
5:59
